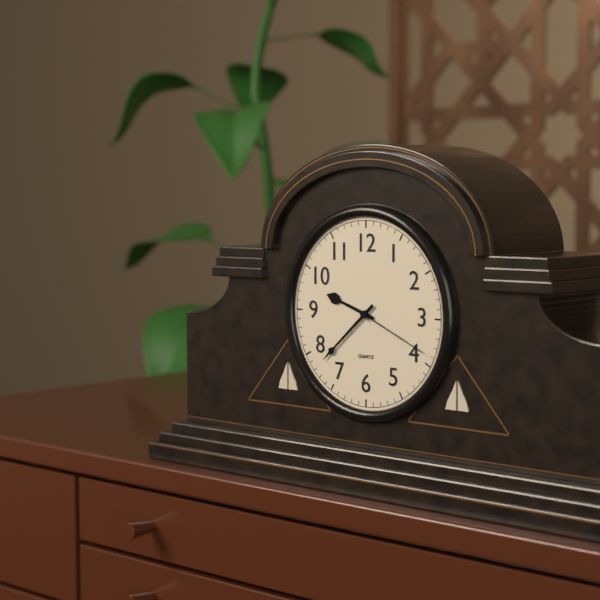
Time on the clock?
9:38:19
